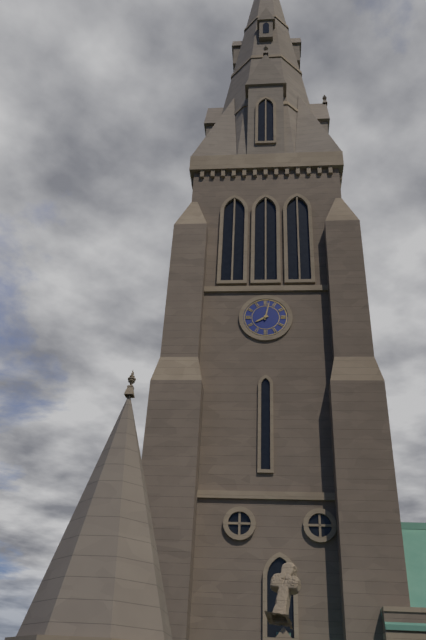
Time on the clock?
8:02
